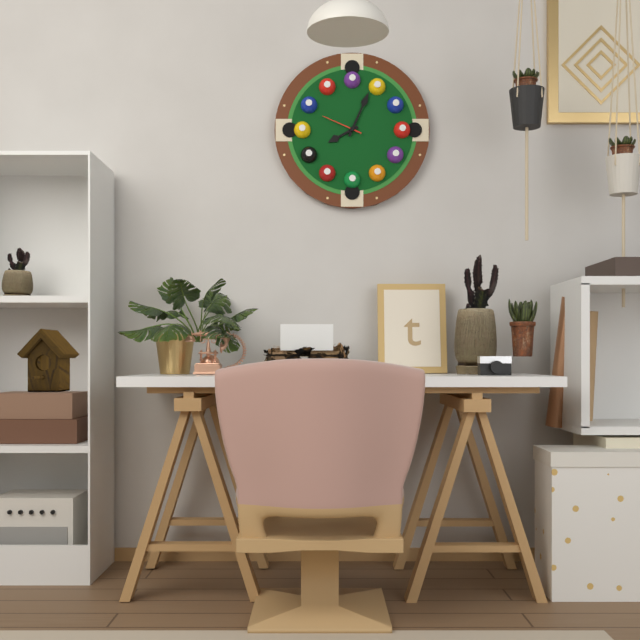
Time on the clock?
8:04
